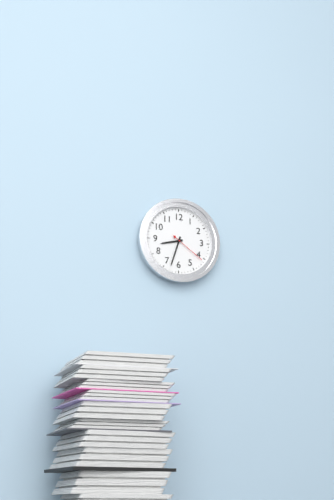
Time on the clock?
8:33
